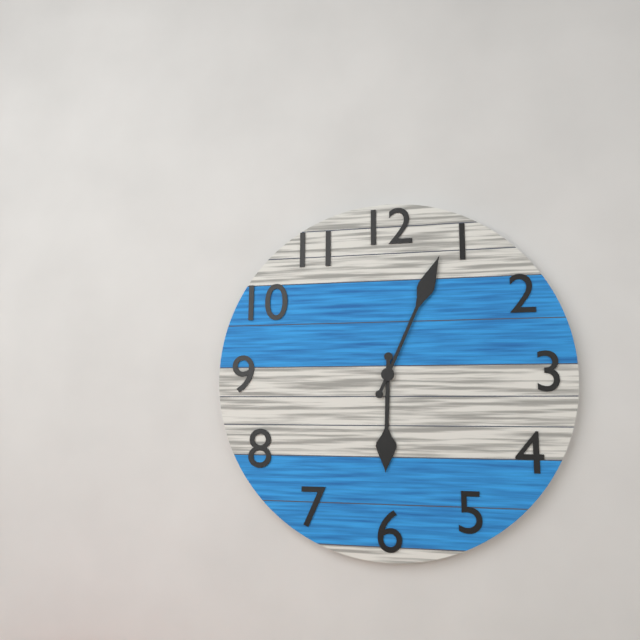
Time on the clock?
6:04
